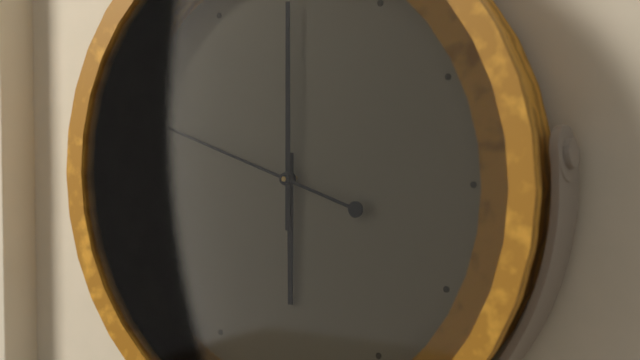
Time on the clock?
6:00:48
